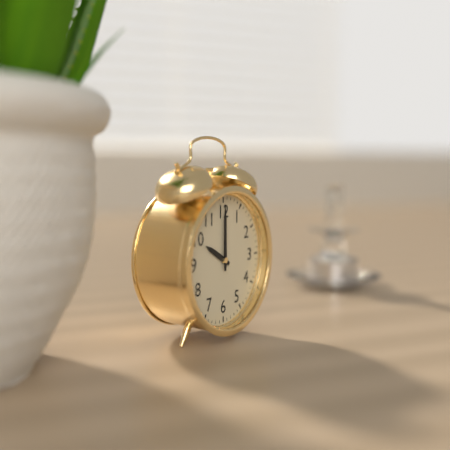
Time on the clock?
10:00
